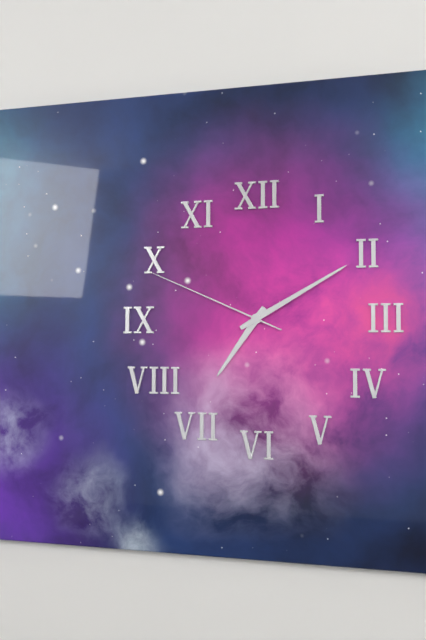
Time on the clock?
7:10:49
